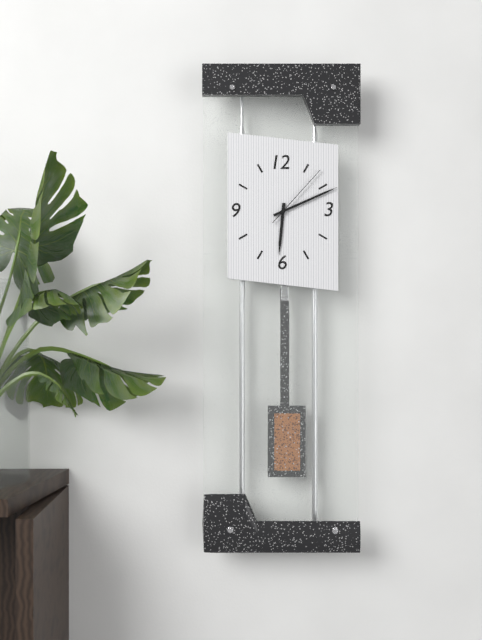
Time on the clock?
6:11:07
